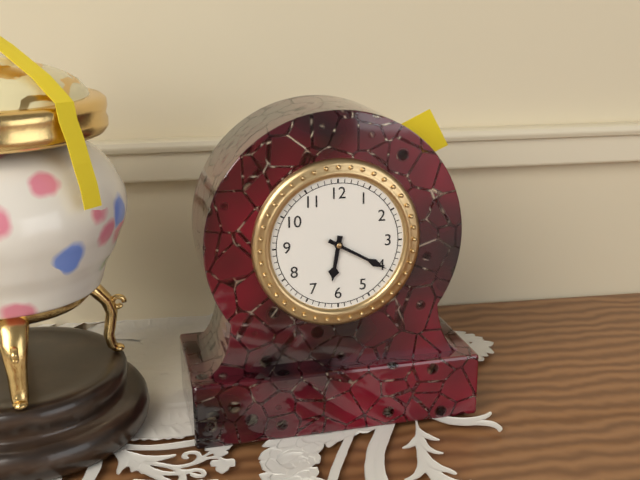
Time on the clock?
6:20
